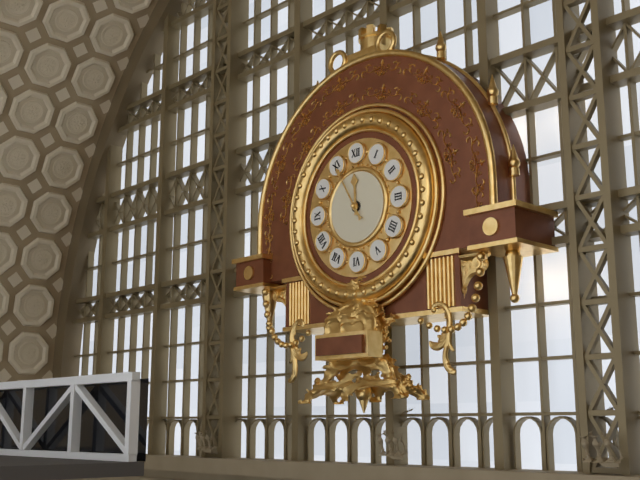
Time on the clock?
11:55
